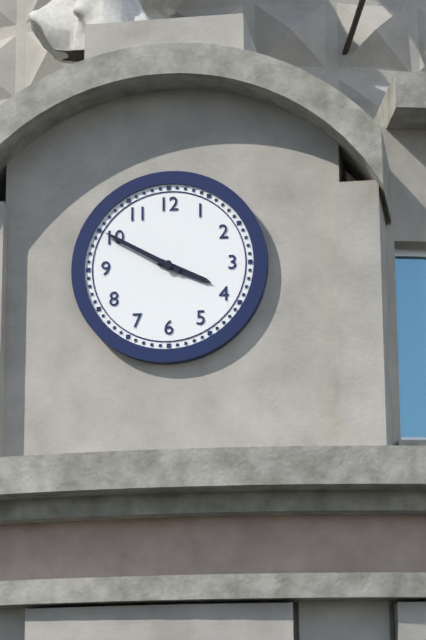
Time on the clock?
3:50
